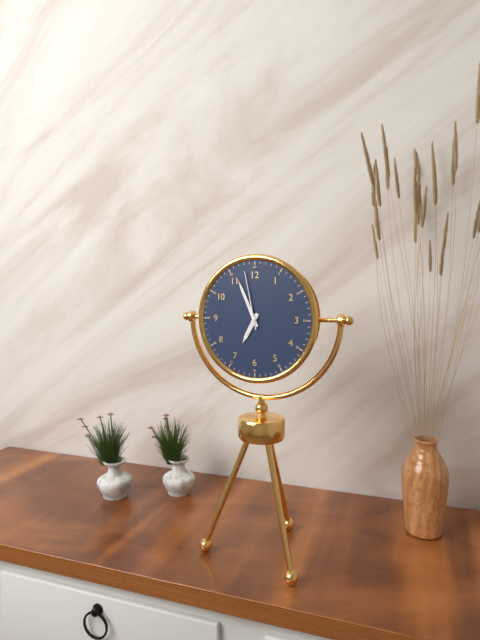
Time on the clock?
6:56:58
